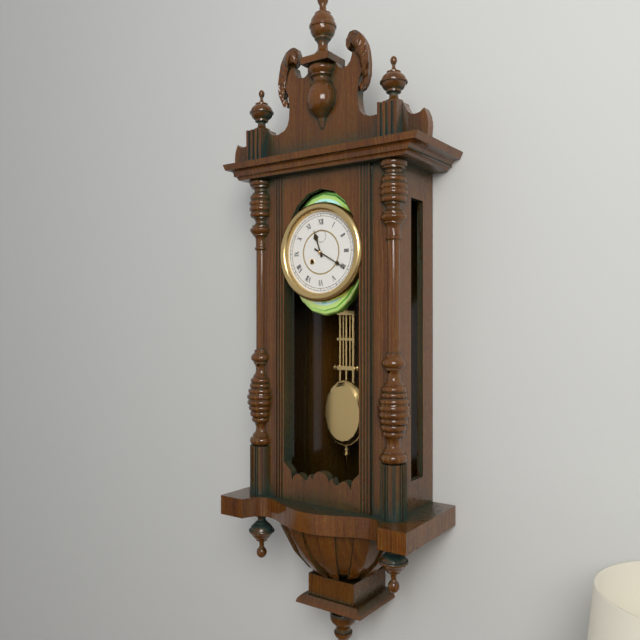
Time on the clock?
11:20
